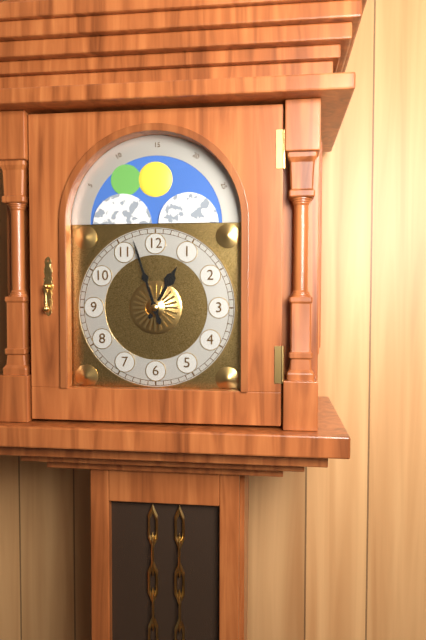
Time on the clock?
12:57
